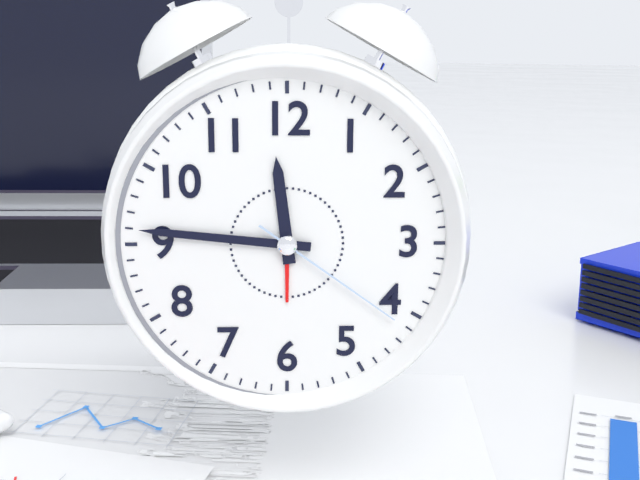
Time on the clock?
11:46:21
